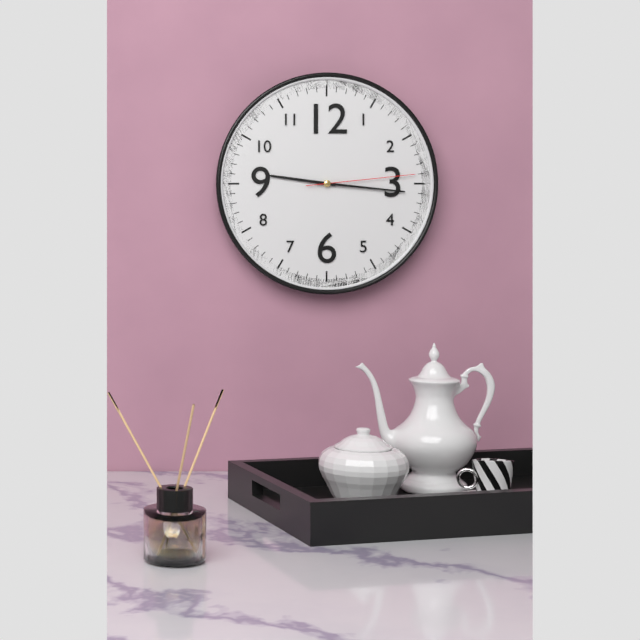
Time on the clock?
9:16:14
